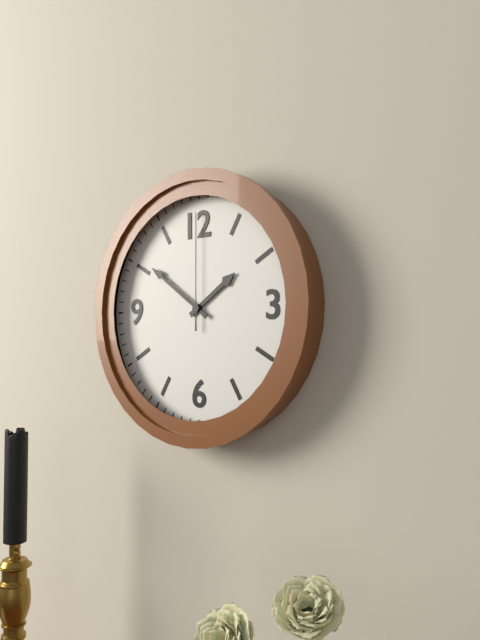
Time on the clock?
1:51:00
